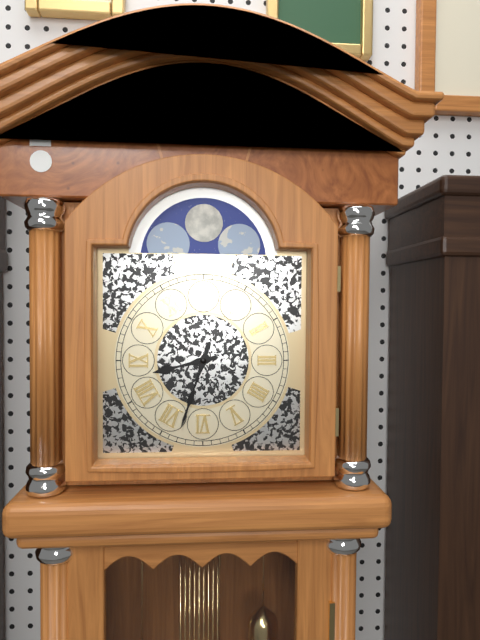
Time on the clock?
8:33
